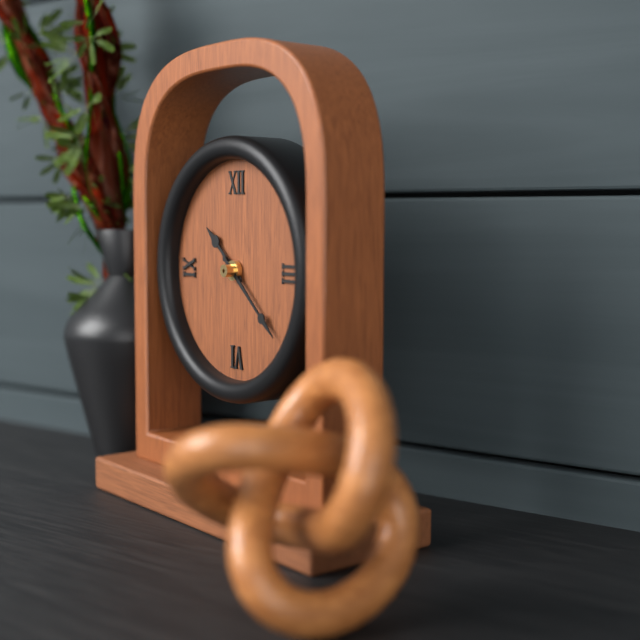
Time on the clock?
10:22
